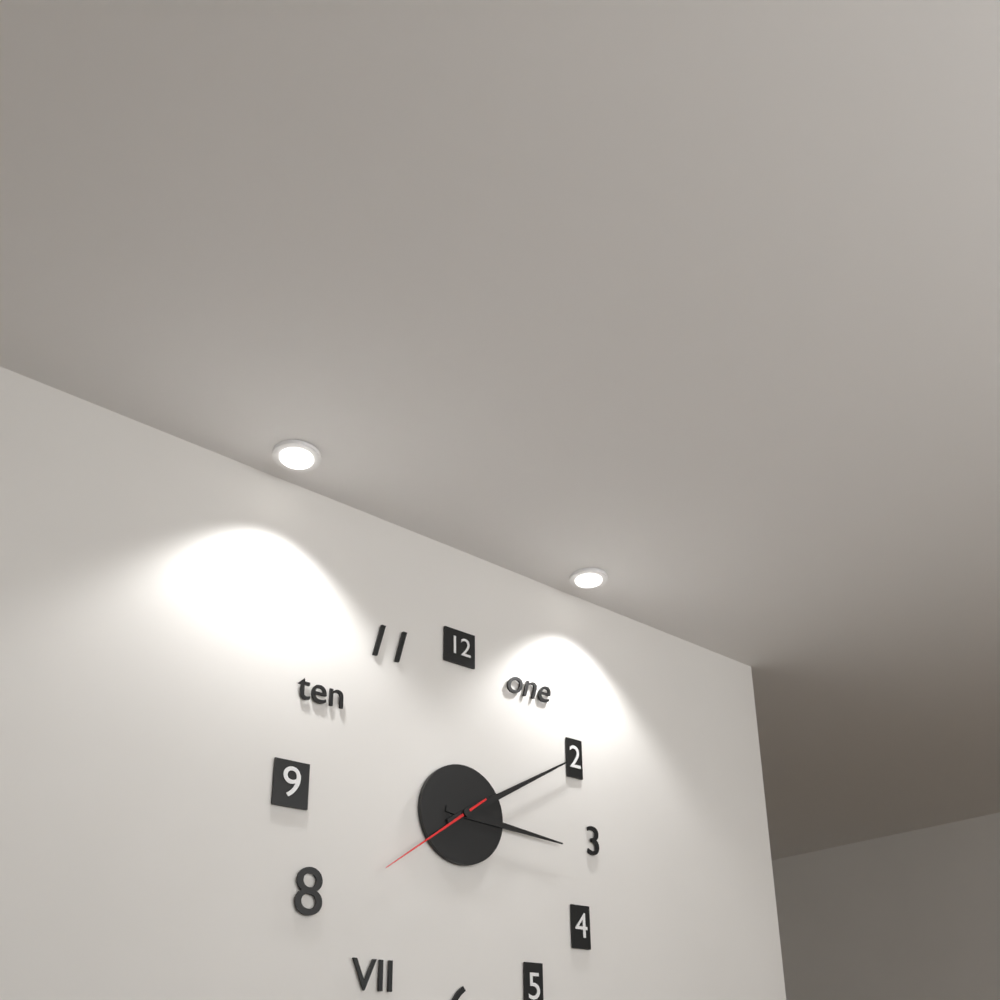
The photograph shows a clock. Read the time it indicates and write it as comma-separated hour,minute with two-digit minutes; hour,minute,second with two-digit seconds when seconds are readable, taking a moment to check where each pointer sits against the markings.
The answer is 3,10,39
